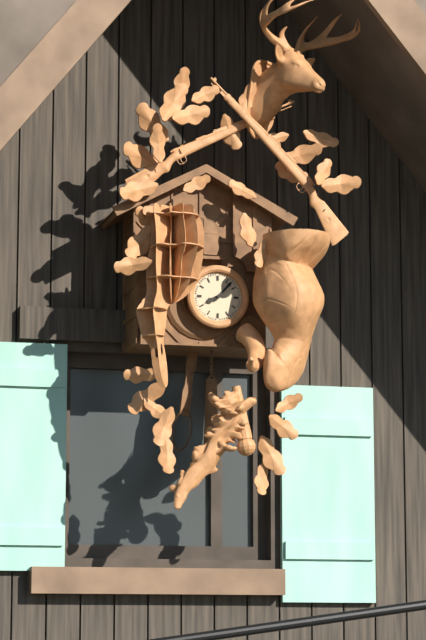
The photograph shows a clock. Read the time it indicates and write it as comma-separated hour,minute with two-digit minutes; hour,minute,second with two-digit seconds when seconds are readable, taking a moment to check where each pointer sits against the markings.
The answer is 8,07
